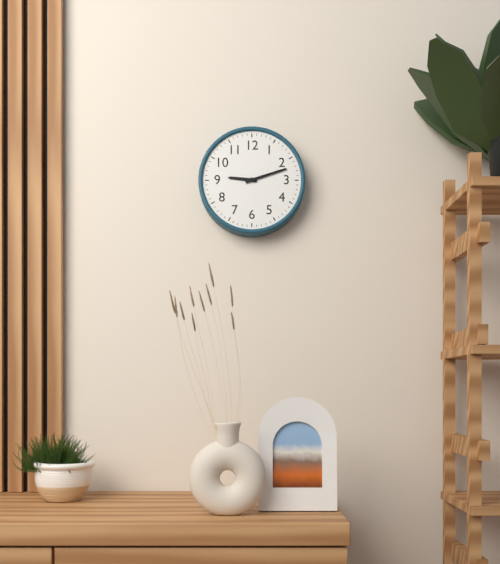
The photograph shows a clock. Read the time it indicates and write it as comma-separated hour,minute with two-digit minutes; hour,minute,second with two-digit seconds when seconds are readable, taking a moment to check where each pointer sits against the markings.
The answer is 9,12
